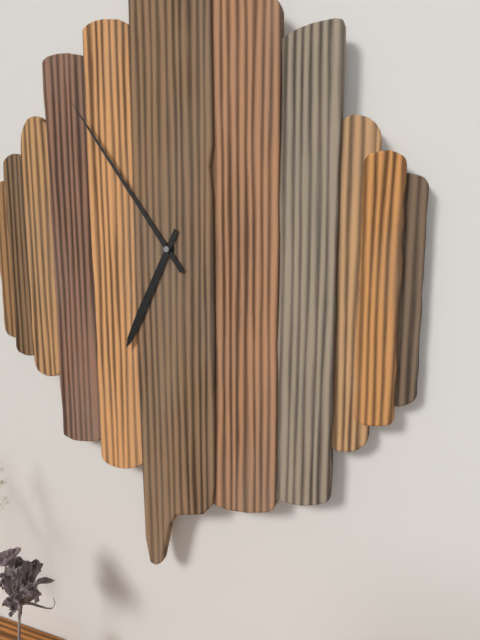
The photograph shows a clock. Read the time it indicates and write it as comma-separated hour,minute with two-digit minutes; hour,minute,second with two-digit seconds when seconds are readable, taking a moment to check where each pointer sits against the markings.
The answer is 6,54
